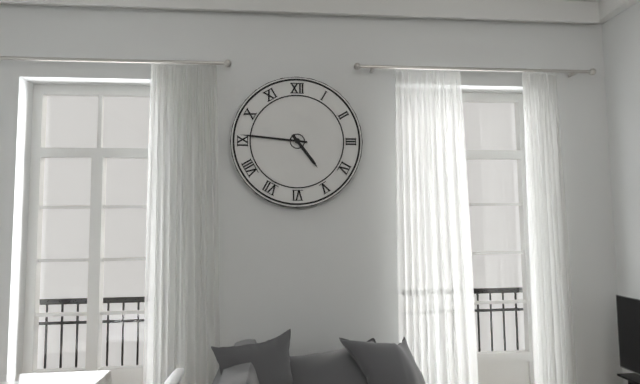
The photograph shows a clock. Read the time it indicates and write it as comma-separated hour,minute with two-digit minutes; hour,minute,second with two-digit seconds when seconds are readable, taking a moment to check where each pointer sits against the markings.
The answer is 4,46
